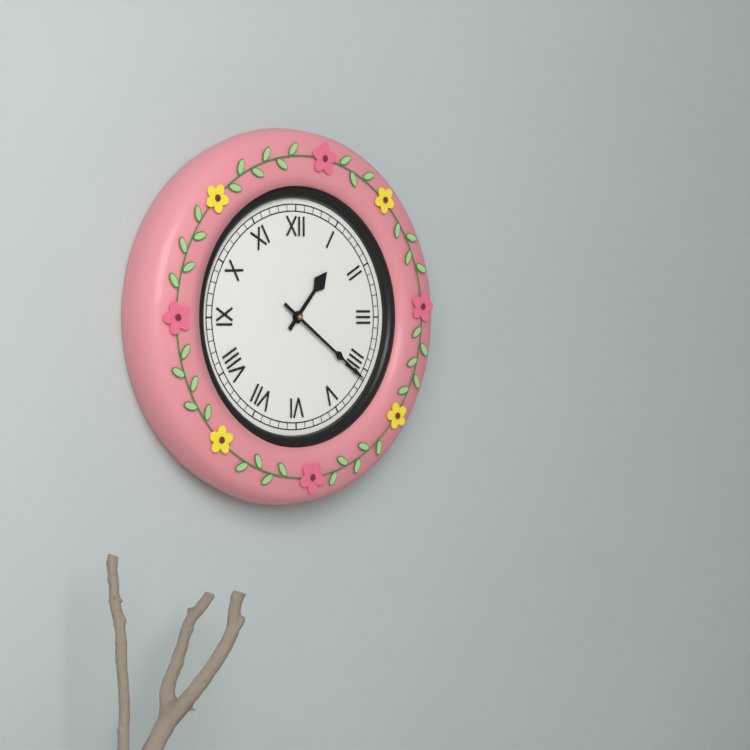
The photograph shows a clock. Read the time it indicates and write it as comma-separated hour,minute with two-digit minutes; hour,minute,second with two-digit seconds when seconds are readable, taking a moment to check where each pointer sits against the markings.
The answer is 1,21
